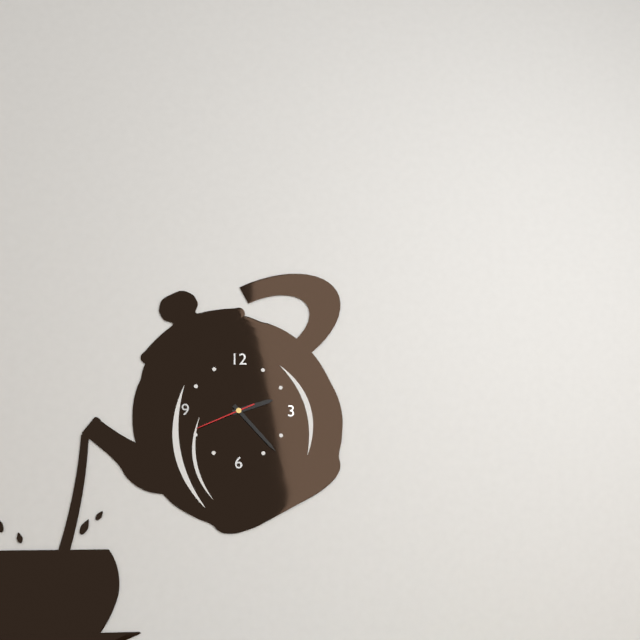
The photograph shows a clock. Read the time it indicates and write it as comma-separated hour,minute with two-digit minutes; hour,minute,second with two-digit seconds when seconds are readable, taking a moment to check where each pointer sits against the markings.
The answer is 2,23,41
